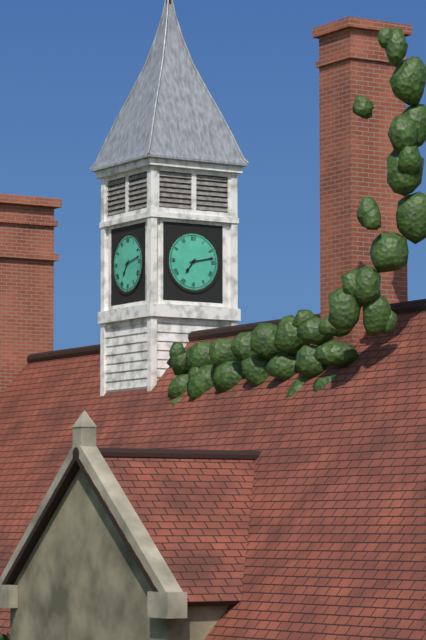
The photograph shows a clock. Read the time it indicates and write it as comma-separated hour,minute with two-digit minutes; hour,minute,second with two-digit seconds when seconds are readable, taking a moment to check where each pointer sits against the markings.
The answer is 7,13
